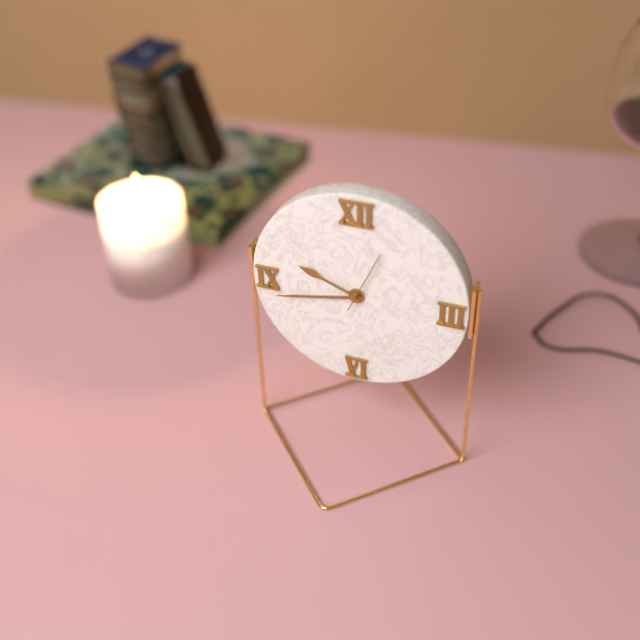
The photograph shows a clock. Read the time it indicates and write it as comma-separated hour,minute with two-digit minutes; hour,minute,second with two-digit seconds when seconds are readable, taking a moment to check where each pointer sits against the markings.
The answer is 9,43,04
